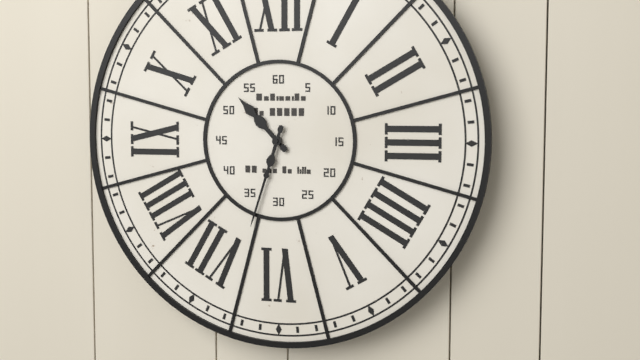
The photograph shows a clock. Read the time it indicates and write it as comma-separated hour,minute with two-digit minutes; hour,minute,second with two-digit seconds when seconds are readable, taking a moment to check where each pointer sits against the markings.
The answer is 10,33
